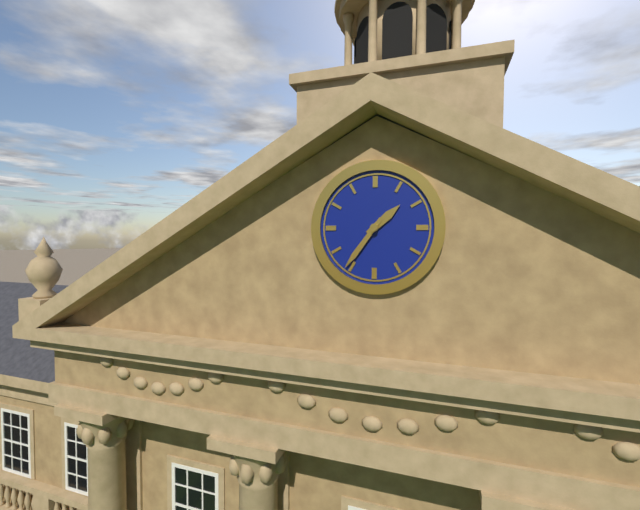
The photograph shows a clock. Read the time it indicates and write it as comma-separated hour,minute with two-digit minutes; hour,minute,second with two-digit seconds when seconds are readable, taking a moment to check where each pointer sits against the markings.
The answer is 1,36
